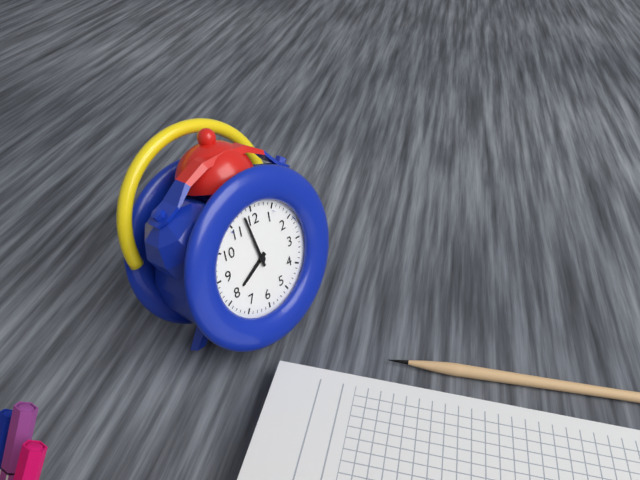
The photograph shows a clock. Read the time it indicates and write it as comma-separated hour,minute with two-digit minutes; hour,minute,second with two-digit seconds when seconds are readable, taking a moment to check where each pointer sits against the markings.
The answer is 7,58
